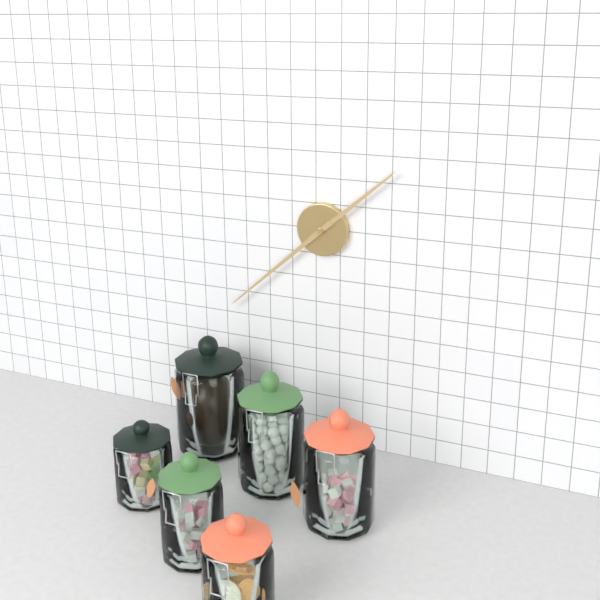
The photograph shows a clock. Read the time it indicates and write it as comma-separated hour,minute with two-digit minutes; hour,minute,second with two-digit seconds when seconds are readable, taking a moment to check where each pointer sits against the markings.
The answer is 1,38
